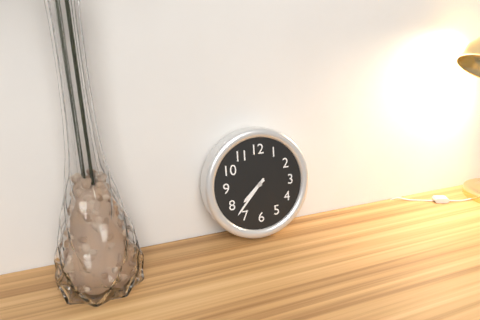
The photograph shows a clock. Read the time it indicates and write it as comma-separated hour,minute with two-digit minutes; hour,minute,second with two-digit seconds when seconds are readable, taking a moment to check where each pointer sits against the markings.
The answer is 7,37
